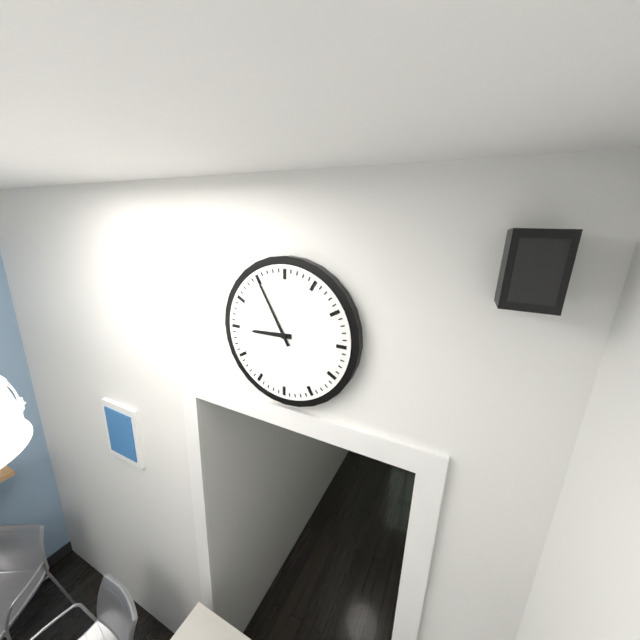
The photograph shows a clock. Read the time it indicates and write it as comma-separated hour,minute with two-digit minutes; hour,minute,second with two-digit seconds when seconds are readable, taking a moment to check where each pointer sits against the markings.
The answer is 8,55
